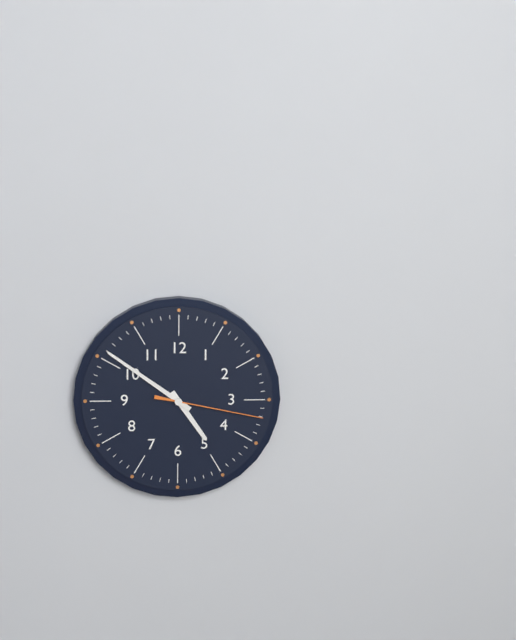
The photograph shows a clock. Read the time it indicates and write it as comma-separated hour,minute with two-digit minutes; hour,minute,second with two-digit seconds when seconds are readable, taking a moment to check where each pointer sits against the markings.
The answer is 4,51,17
